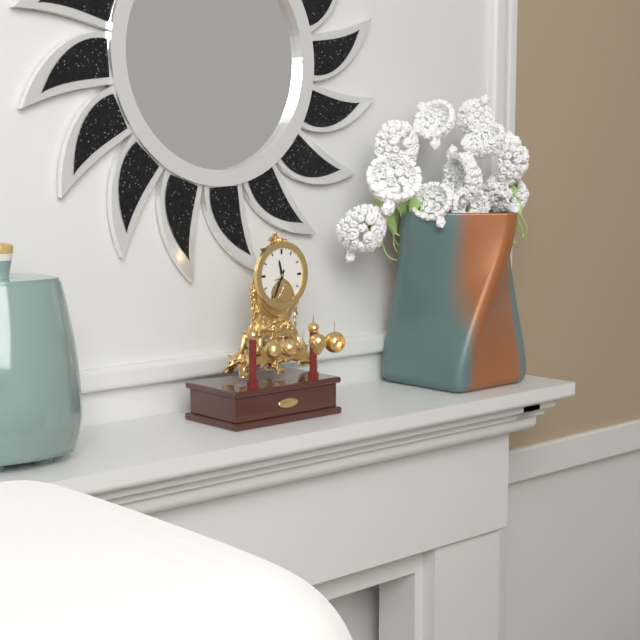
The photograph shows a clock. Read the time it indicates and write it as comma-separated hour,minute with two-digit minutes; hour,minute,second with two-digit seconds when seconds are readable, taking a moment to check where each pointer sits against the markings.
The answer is 11,34
